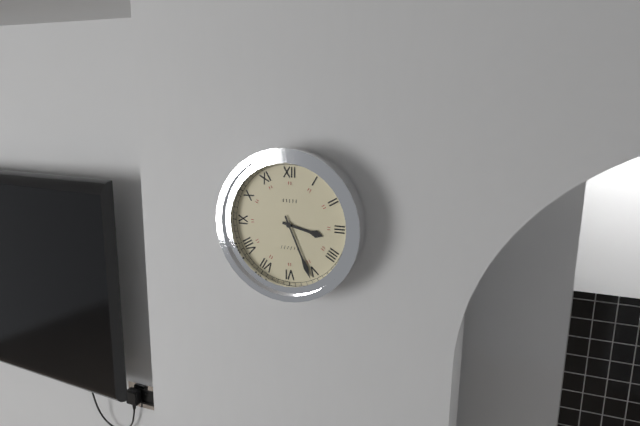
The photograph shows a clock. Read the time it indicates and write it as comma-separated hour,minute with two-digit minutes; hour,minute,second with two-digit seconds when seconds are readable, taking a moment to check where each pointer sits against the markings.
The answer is 3,26
